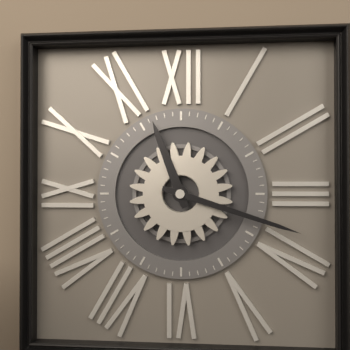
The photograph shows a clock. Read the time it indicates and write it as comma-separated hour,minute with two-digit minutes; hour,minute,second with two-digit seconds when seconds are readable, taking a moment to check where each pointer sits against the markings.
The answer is 11,18
